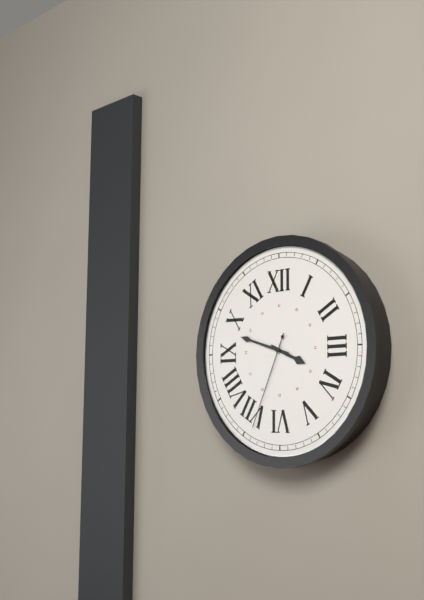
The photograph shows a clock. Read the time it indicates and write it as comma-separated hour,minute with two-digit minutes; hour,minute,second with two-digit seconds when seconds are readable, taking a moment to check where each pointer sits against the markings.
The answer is 3,48,34
